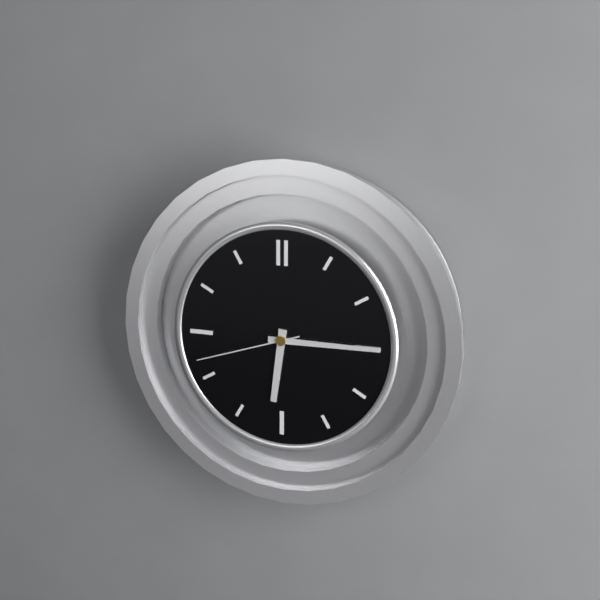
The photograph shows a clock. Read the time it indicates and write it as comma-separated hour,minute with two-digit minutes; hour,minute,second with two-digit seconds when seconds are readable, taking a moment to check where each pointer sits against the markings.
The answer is 6,15,42
